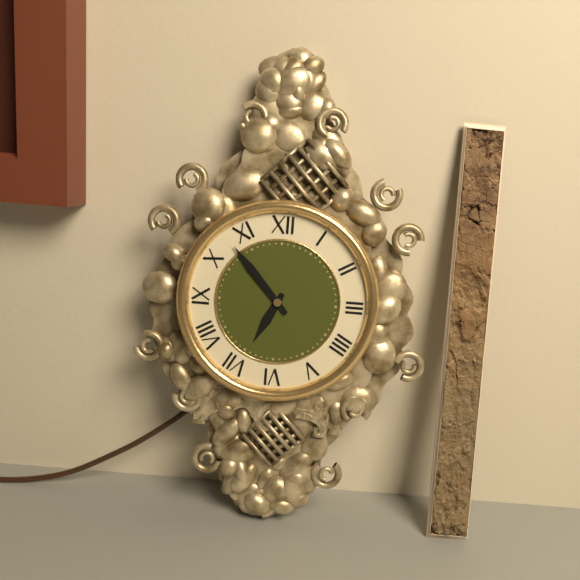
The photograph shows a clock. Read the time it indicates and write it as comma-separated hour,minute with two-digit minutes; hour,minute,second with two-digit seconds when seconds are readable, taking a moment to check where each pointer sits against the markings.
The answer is 6,53
